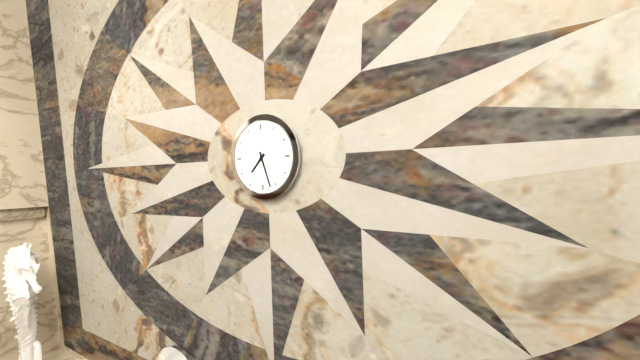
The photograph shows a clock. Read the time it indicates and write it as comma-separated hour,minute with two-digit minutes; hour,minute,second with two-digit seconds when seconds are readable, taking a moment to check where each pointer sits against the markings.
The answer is 7,27
